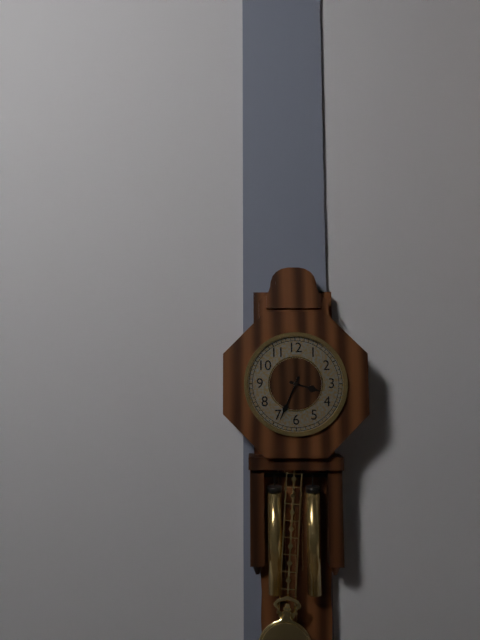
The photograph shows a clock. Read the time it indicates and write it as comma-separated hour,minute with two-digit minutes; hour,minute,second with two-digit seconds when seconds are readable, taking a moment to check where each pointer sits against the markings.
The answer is 3,34
